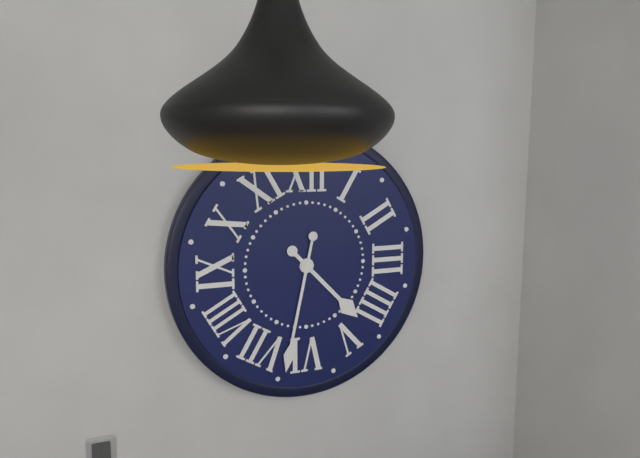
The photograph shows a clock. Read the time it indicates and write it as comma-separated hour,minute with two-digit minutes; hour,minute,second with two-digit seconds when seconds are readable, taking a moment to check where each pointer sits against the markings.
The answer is 4,32
